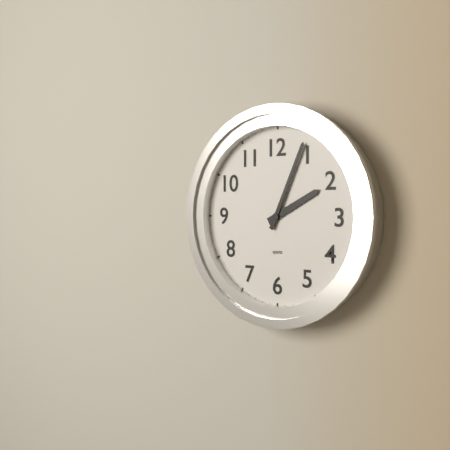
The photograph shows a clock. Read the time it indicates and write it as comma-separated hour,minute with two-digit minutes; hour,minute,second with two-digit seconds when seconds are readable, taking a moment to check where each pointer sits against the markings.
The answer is 2,04
